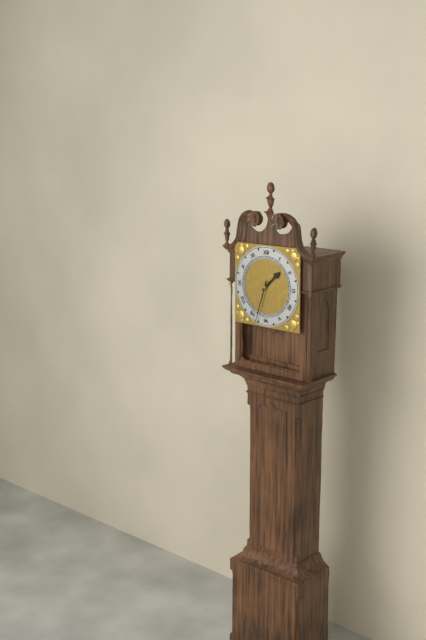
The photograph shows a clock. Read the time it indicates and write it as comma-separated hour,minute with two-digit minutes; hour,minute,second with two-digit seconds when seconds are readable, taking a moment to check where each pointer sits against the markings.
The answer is 1,33
